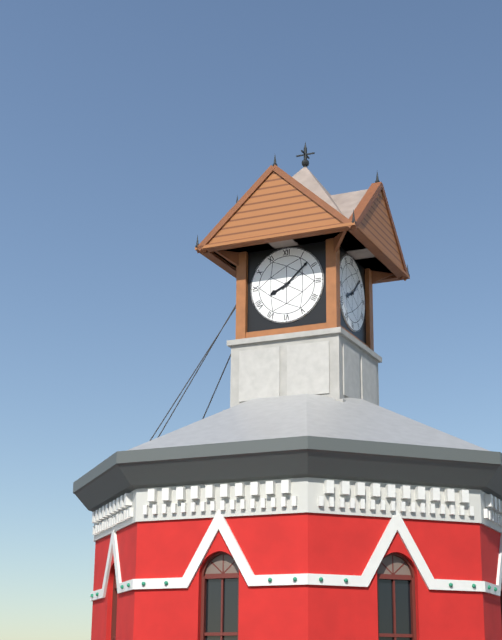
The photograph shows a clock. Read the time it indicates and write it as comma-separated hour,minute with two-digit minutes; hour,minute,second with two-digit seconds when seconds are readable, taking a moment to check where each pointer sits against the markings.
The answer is 8,08
